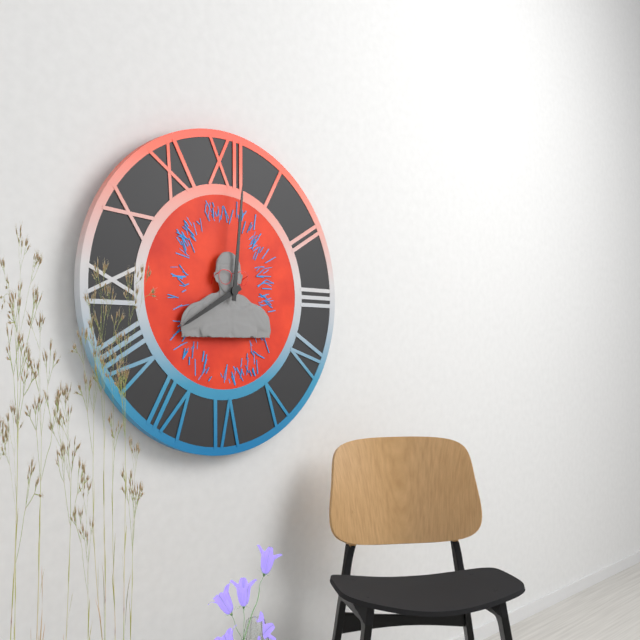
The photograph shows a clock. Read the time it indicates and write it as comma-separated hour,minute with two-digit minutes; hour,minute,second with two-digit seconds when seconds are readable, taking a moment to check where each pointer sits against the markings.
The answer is 8,01
